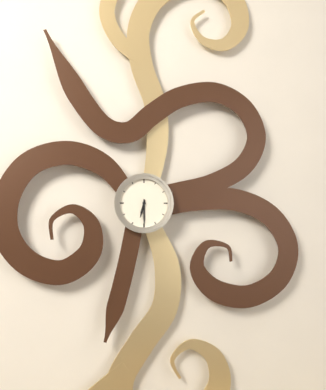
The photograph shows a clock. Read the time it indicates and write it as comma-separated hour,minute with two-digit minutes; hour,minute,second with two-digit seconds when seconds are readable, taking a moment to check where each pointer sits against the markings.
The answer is 6,30
